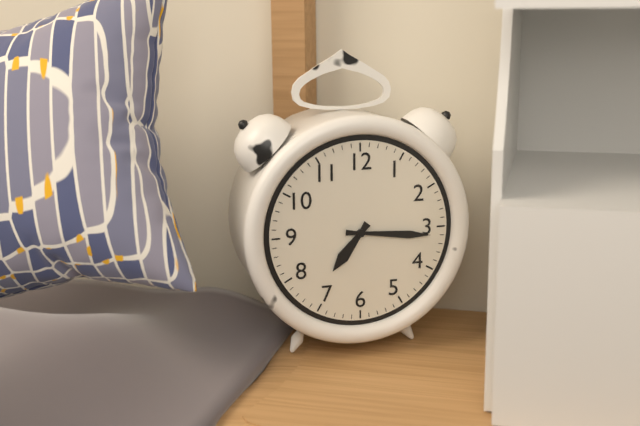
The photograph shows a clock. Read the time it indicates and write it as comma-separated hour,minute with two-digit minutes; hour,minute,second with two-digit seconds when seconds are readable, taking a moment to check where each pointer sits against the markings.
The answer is 7,16
